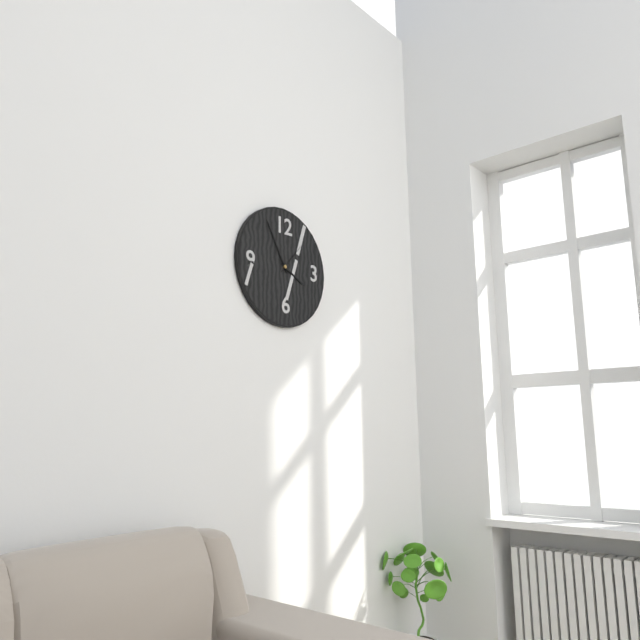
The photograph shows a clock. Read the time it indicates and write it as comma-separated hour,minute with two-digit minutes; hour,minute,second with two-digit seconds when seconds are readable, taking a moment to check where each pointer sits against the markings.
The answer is 3,55
